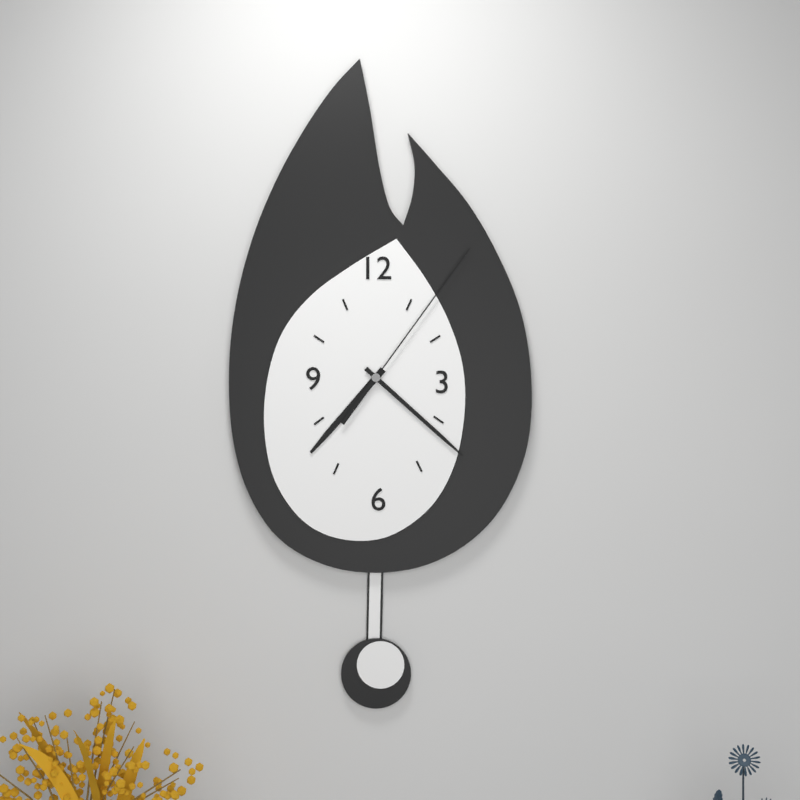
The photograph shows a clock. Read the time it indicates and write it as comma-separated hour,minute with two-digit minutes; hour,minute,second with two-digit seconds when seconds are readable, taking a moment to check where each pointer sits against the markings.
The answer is 7,22,06
